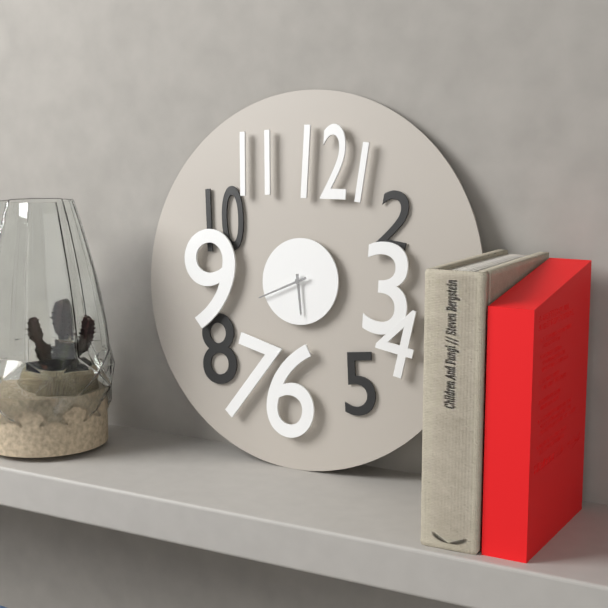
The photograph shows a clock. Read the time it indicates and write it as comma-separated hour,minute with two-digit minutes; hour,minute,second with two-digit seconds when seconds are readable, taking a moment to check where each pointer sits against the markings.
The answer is 5,41
